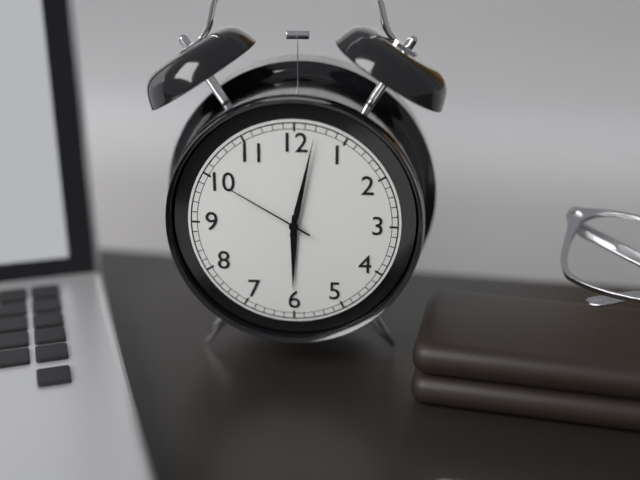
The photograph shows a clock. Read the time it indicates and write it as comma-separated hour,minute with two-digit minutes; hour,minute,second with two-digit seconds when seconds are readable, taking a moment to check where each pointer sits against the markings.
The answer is 6,02,50
